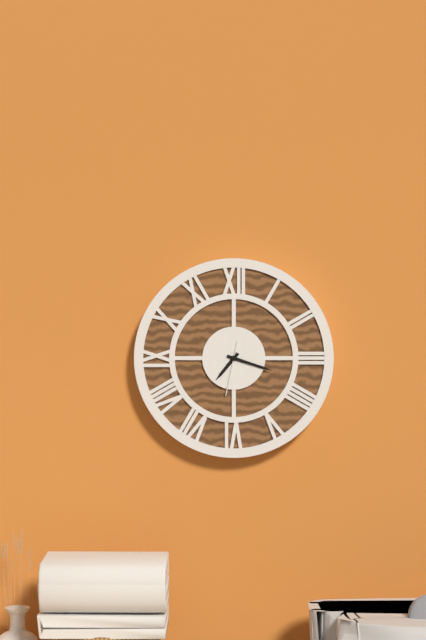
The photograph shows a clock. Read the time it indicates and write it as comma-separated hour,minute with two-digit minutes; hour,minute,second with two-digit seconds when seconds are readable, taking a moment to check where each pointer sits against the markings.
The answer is 7,18
